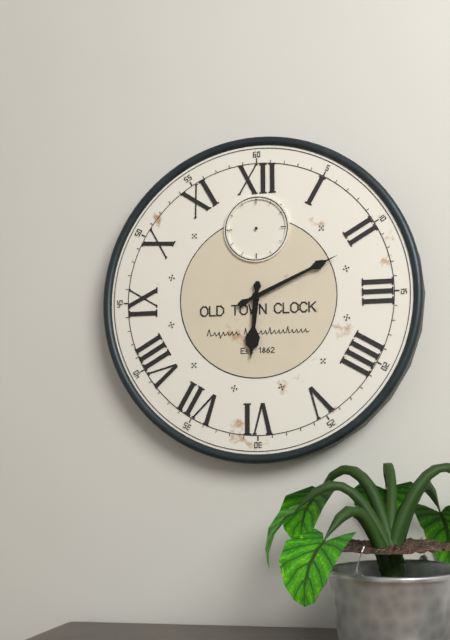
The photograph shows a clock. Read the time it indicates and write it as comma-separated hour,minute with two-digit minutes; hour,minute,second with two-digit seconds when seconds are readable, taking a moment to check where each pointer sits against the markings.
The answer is 6,11
